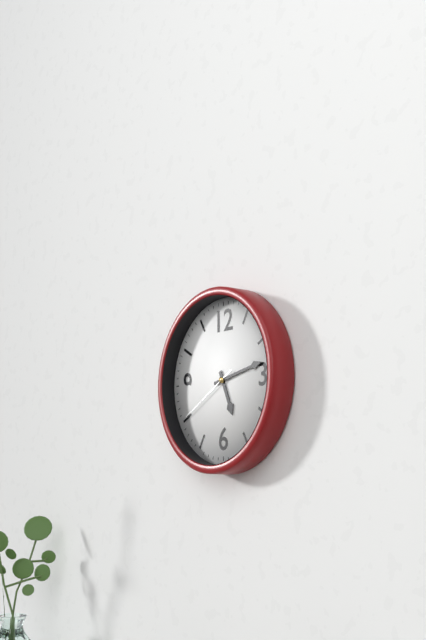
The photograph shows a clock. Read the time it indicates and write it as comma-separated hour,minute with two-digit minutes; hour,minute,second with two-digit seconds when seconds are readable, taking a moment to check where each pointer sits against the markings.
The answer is 5,13,40
